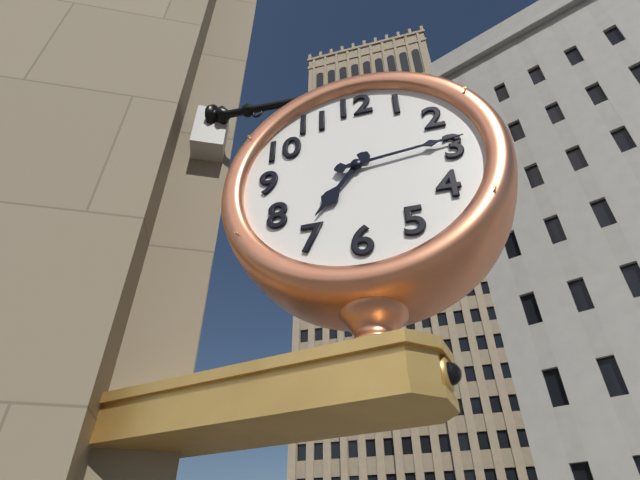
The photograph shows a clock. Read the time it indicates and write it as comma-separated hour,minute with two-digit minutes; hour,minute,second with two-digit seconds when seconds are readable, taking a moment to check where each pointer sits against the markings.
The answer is 7,14
